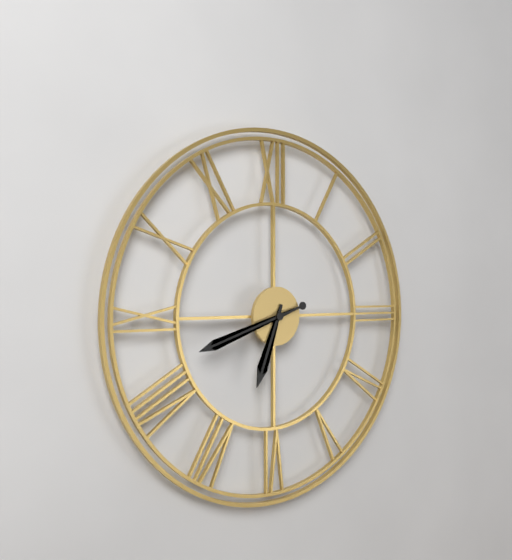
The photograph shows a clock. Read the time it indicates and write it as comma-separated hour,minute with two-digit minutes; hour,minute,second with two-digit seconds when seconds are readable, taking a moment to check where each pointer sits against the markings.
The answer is 6,42
